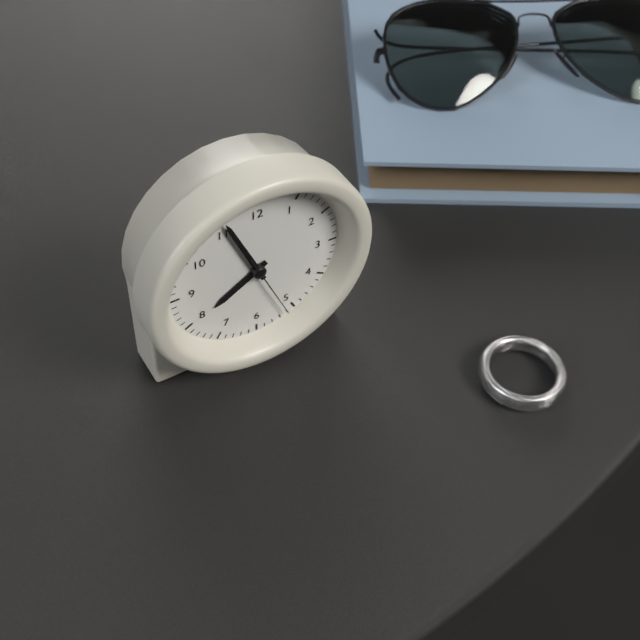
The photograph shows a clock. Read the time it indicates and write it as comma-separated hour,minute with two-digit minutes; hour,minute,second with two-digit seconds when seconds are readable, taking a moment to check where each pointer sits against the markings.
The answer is 7,56,26
